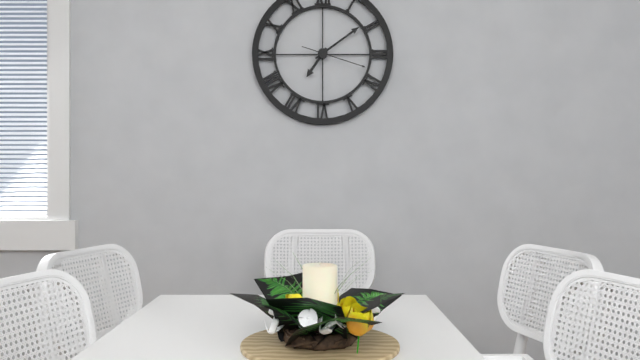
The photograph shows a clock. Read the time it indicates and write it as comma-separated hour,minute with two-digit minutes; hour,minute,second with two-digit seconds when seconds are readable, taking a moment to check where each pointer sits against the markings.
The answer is 7,09,18
